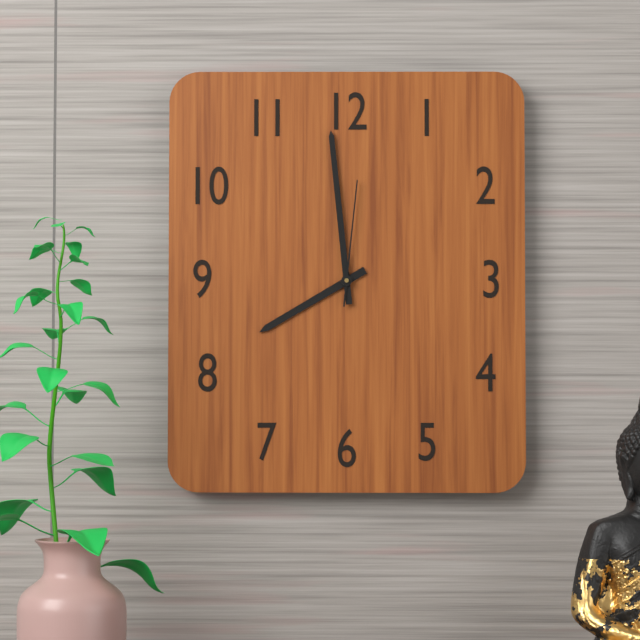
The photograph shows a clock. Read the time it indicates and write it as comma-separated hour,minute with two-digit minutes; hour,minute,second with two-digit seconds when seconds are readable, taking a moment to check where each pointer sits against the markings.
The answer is 7,59,01
